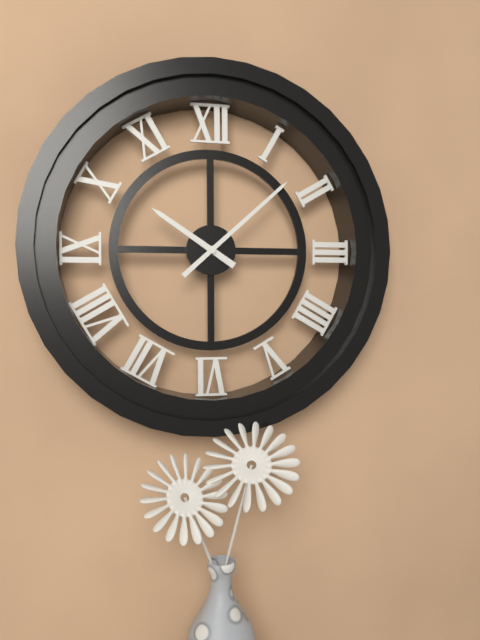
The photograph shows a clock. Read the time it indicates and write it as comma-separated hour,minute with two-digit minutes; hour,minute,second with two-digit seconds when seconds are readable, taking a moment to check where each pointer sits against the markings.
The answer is 10,08
